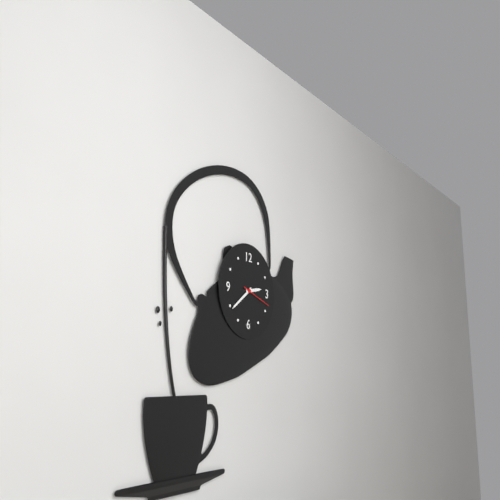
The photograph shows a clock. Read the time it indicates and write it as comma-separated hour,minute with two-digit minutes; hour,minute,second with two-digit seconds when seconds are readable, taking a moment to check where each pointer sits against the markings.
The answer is 2,39
